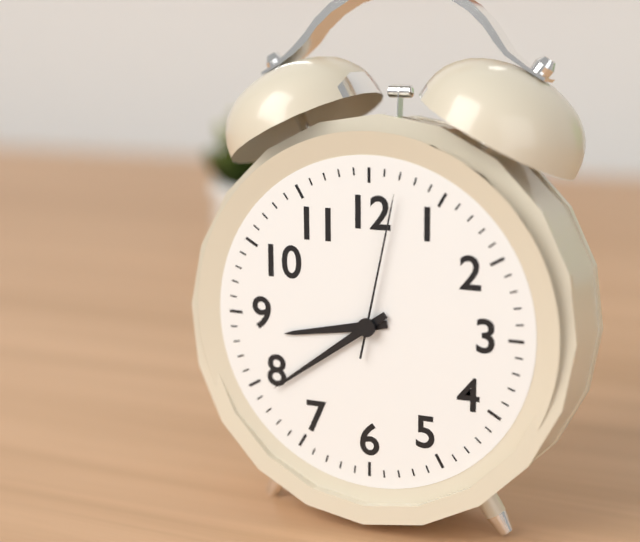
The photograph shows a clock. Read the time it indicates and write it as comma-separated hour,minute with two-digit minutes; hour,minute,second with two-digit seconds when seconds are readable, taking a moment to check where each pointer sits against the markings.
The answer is 8,39,02
